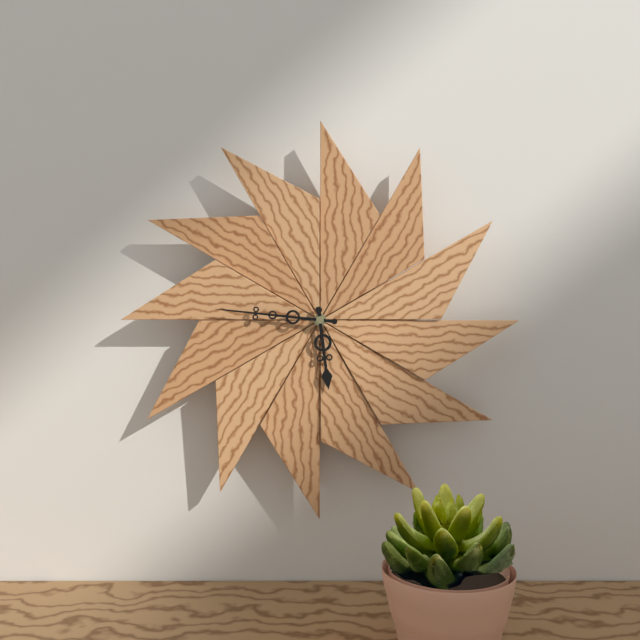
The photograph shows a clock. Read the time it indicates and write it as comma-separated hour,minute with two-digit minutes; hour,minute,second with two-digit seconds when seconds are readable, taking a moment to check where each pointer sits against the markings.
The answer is 5,46
